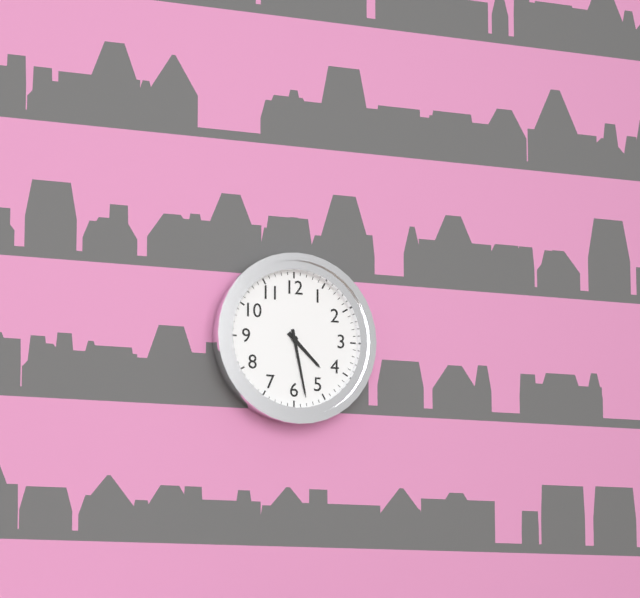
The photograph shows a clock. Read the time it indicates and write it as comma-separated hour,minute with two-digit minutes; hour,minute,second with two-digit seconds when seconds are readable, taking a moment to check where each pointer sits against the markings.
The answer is 4,28
